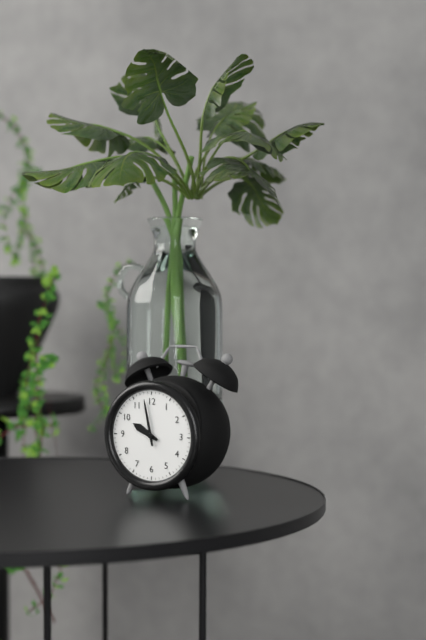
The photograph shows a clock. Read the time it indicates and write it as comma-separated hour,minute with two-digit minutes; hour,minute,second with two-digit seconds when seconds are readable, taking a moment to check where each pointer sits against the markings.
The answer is 9,58
